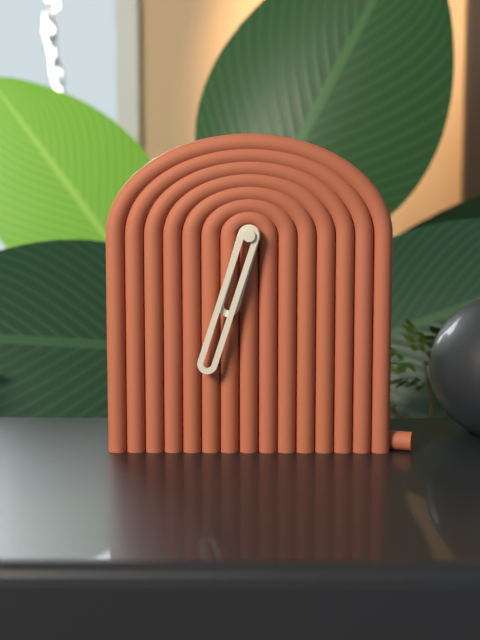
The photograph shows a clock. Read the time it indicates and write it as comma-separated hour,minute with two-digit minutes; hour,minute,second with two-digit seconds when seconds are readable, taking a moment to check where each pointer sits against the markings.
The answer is 6,33
